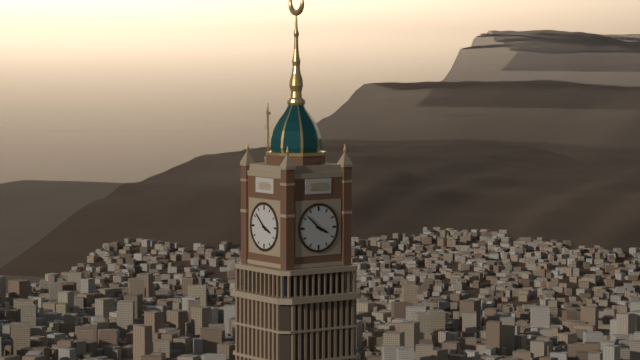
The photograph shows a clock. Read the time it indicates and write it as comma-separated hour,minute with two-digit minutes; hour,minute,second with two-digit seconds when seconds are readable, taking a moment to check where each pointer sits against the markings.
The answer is 3,52
